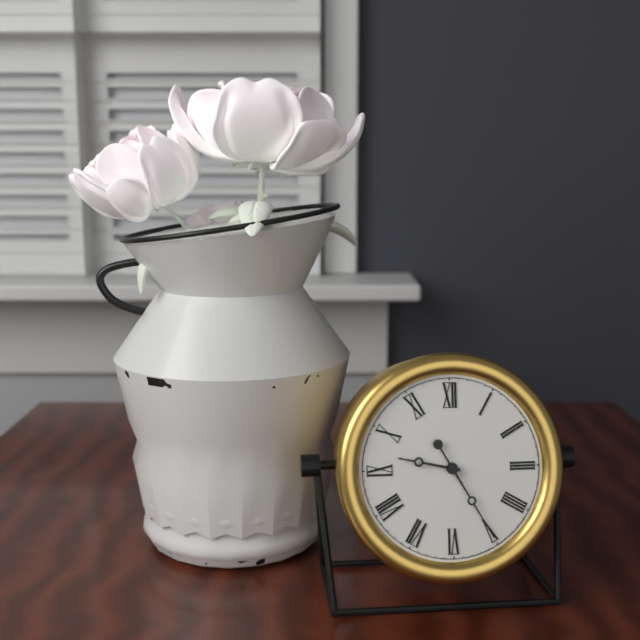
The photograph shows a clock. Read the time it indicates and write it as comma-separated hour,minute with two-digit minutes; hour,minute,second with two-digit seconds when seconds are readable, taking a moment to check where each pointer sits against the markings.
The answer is 9,25
